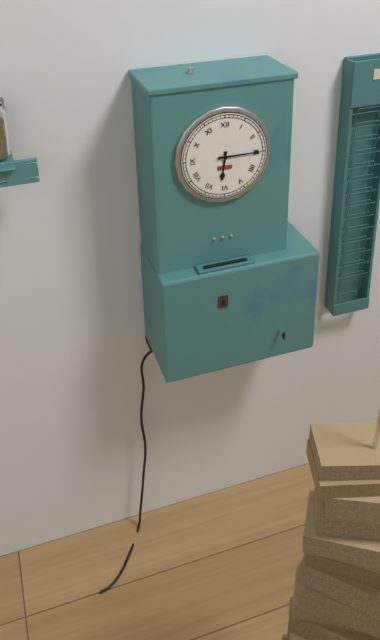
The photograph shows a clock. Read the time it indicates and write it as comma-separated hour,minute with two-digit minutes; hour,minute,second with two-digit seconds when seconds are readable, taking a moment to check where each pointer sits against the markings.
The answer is 6,15
